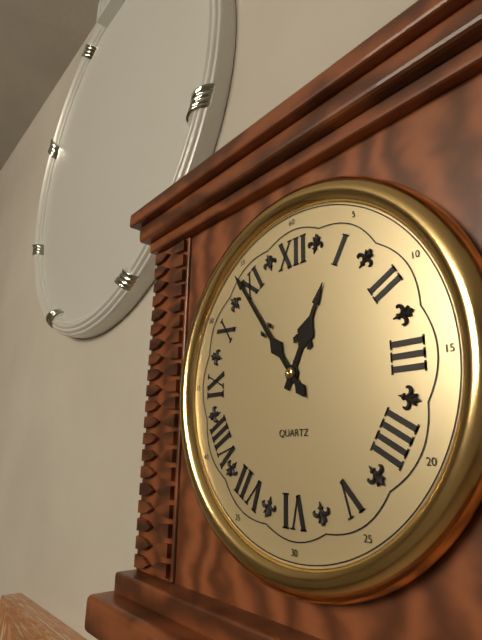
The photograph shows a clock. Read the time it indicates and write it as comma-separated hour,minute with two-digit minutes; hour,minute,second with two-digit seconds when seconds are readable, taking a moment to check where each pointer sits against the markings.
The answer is 12,54
